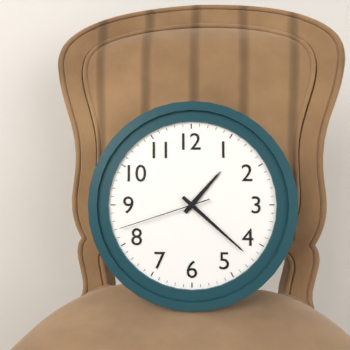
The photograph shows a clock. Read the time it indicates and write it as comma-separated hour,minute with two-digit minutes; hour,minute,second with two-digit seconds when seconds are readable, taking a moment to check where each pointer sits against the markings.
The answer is 1,22,42
